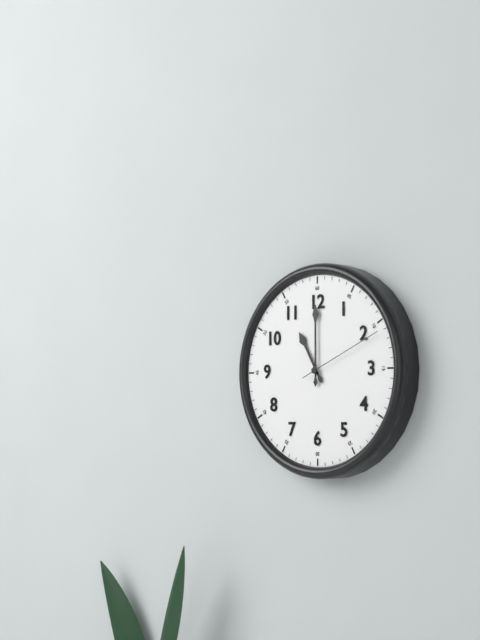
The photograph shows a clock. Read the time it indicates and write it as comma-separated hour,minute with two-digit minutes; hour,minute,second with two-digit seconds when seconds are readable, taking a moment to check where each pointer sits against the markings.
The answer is 11,00,11
